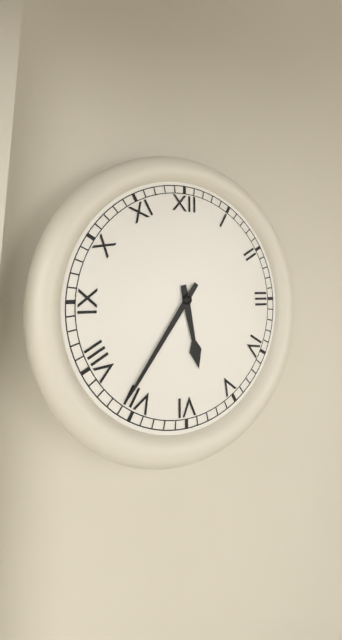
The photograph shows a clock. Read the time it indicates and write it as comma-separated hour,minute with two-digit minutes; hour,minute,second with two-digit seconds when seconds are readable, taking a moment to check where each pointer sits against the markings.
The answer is 5,36
